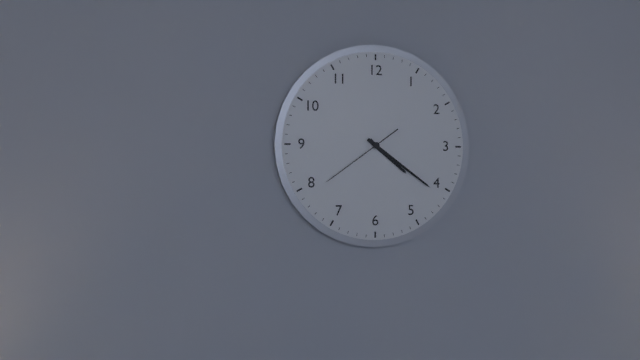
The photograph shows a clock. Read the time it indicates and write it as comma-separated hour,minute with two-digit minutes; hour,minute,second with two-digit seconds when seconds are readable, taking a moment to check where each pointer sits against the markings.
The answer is 4,21,39
